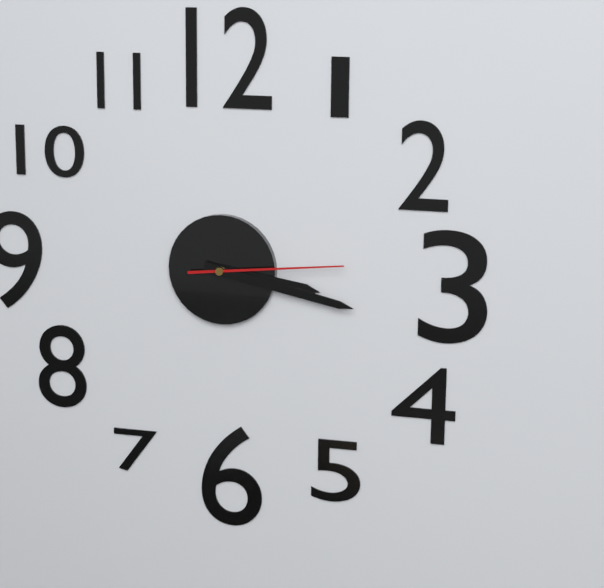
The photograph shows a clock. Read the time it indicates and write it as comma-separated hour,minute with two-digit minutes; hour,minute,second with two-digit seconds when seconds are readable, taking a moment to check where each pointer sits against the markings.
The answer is 3,17,14
